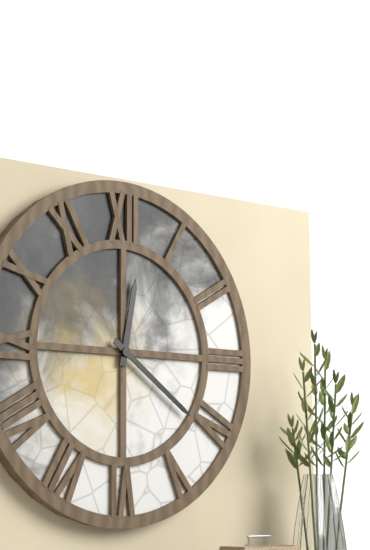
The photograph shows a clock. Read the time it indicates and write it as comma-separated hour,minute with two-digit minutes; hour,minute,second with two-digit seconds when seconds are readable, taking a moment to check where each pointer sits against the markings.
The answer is 12,21
